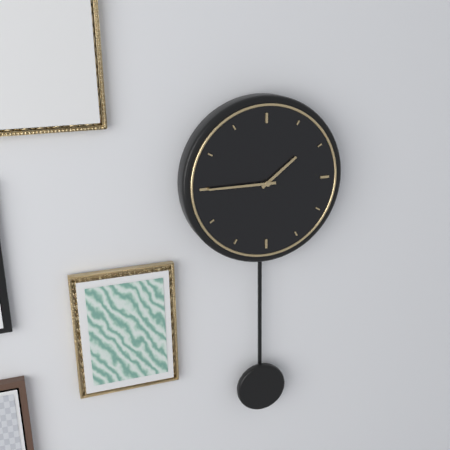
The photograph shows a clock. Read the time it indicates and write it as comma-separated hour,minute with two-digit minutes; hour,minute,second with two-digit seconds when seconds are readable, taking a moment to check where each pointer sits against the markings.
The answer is 1,45
